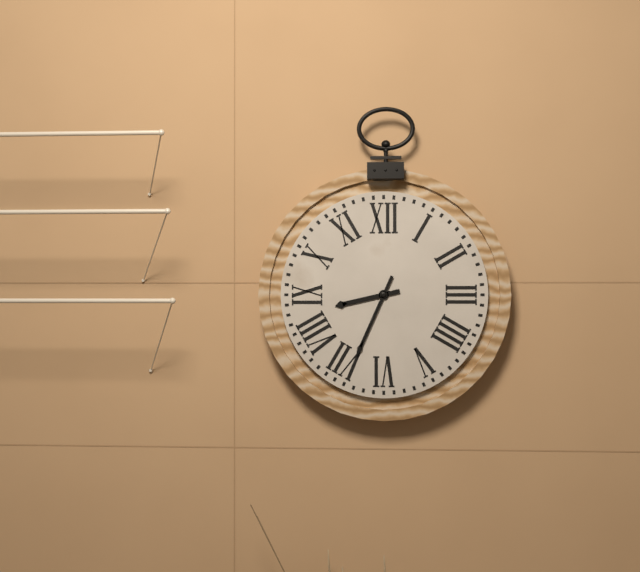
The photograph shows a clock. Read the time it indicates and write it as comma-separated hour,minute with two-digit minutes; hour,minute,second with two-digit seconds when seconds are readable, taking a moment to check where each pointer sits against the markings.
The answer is 8,34
